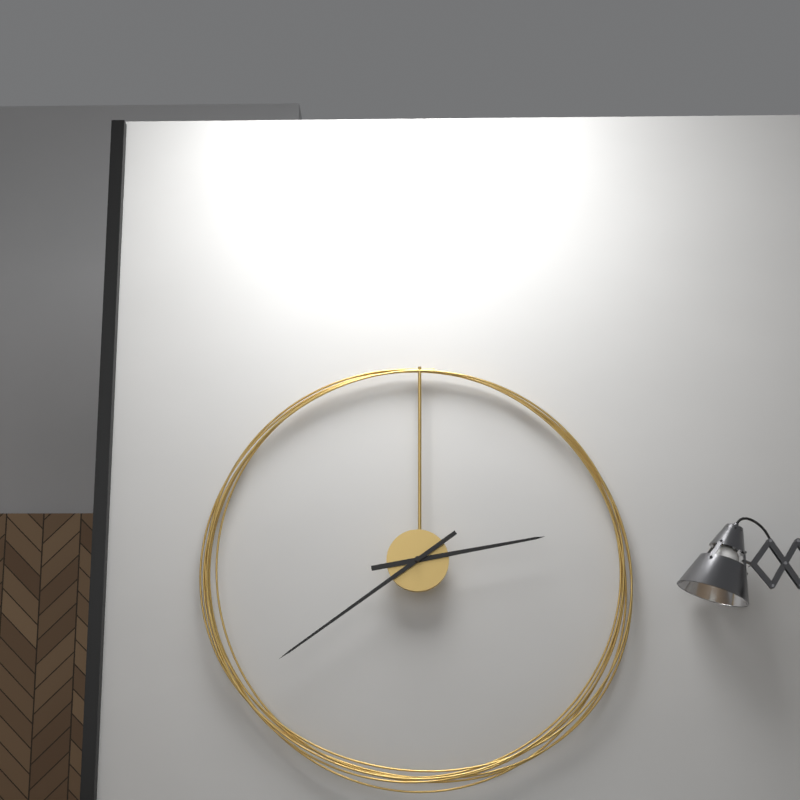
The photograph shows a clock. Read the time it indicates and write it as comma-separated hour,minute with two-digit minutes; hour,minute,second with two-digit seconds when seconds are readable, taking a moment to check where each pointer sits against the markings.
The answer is 2,39
